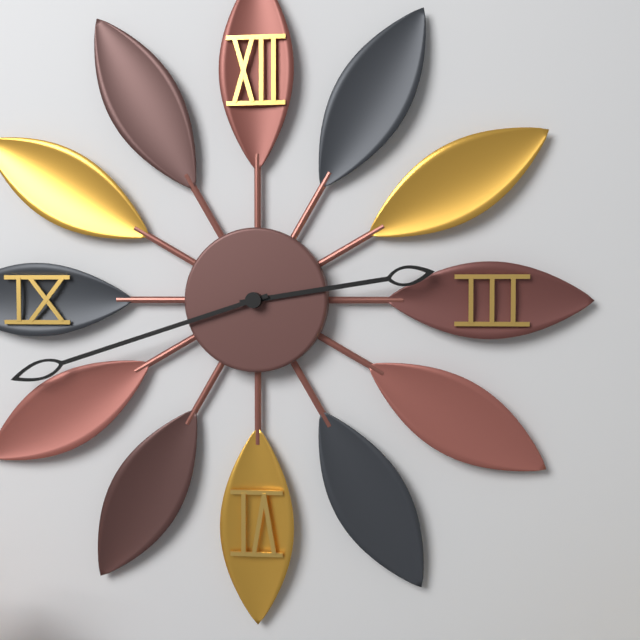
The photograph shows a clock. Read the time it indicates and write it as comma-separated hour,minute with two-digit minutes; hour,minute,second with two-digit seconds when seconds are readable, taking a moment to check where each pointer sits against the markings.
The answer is 2,42
